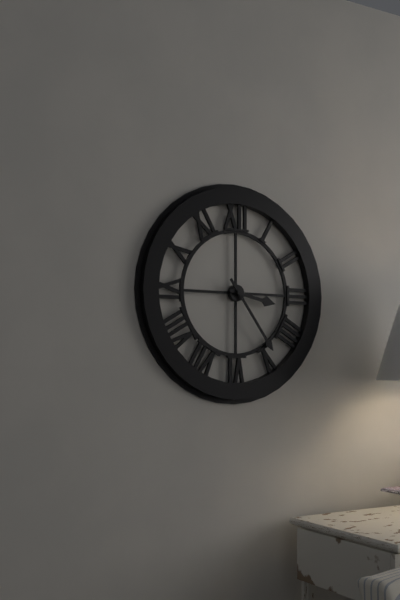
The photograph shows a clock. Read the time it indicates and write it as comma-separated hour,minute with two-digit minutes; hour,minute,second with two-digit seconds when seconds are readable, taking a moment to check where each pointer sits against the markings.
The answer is 3,24
